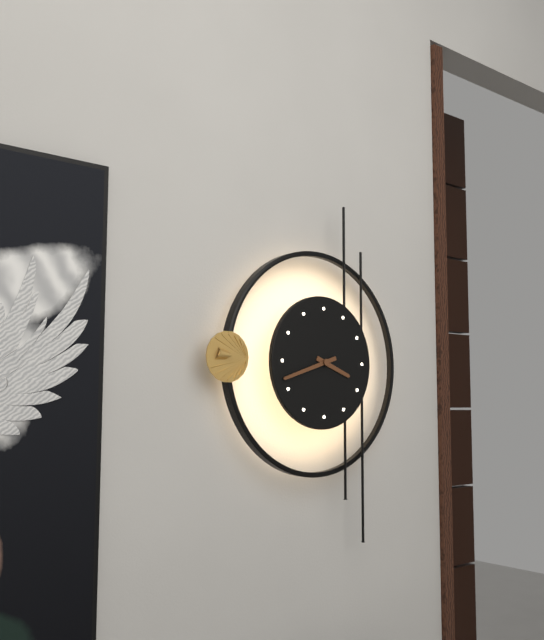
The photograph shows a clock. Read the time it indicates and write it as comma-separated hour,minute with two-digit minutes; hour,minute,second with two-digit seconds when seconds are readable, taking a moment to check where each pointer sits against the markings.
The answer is 3,42
